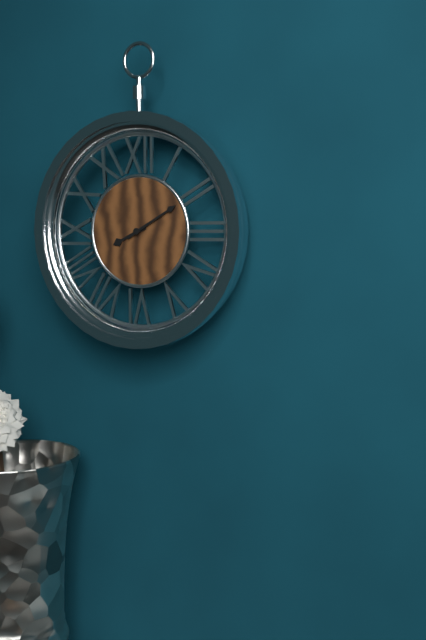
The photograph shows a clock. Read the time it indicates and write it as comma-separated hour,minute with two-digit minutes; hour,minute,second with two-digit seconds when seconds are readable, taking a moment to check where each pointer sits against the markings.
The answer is 8,10
